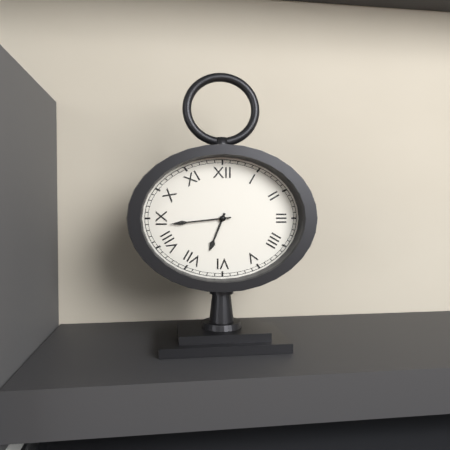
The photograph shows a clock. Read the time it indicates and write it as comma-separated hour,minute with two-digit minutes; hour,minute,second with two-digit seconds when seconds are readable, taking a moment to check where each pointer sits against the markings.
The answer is 6,44
